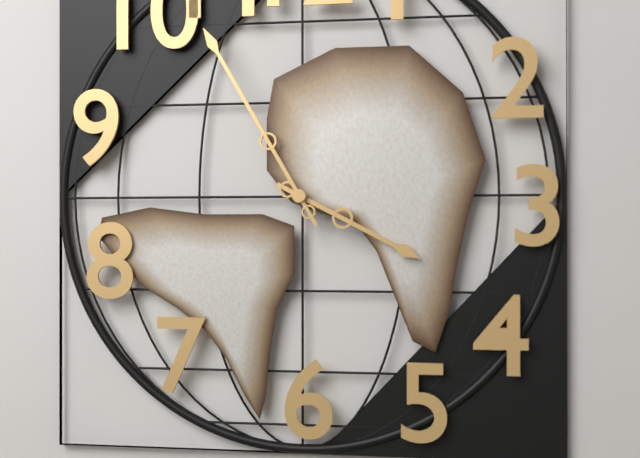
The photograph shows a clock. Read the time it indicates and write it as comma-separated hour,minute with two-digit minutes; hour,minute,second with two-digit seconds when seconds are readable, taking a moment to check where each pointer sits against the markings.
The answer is 3,55
